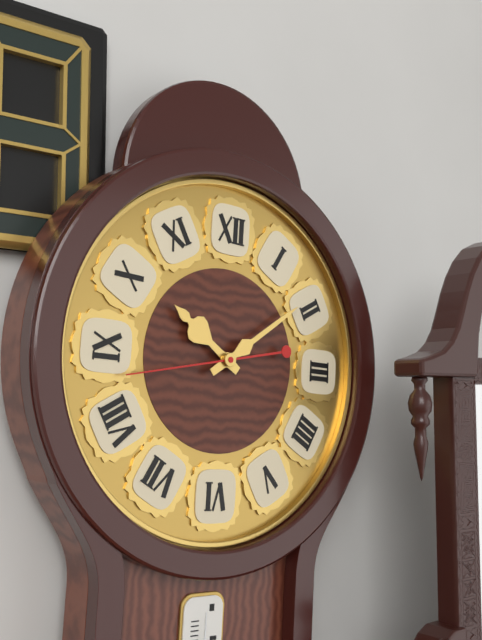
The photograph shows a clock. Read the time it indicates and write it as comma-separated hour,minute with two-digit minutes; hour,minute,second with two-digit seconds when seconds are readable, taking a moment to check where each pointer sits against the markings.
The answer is 10,09,43
